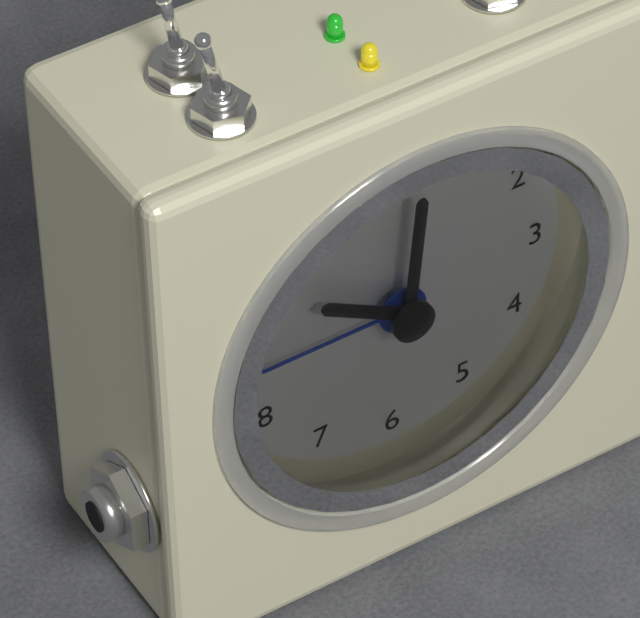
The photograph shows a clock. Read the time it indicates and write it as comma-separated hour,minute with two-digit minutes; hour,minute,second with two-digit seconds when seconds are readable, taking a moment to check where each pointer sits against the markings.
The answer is 10,01,45
